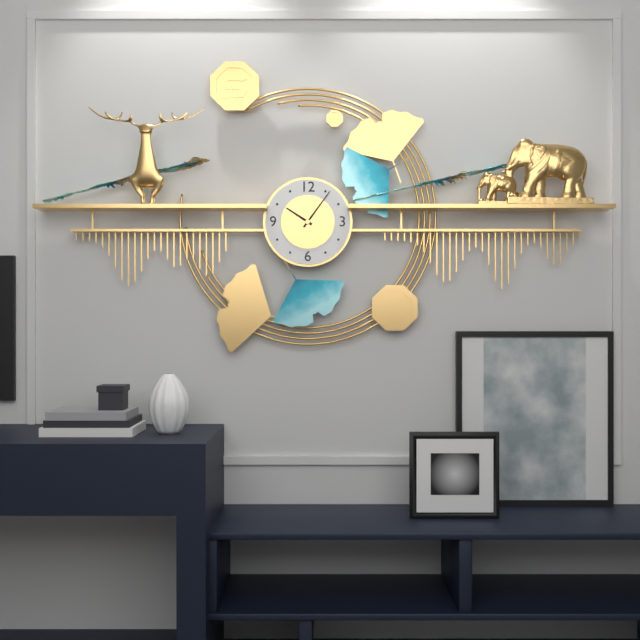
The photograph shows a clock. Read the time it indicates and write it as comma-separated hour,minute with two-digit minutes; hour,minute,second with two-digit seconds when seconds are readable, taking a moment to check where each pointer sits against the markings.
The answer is 10,06
